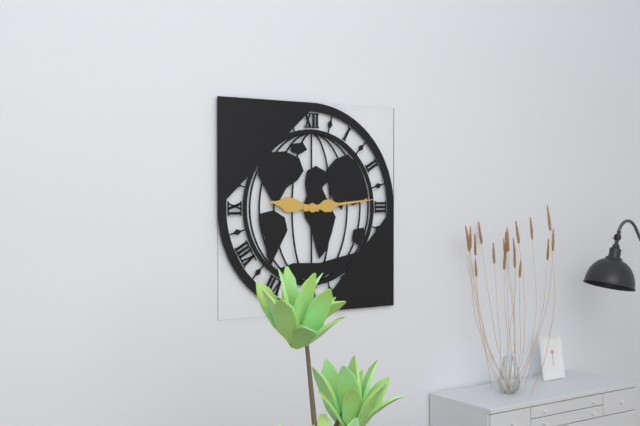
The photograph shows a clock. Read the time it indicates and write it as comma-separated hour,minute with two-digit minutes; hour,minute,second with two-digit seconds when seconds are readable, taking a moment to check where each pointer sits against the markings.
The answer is 9,14
